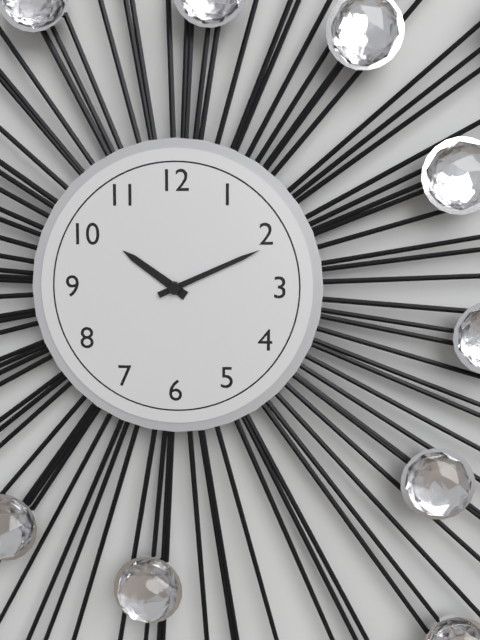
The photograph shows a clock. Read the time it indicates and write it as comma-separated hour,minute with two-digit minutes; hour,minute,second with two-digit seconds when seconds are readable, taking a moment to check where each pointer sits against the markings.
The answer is 10,11
